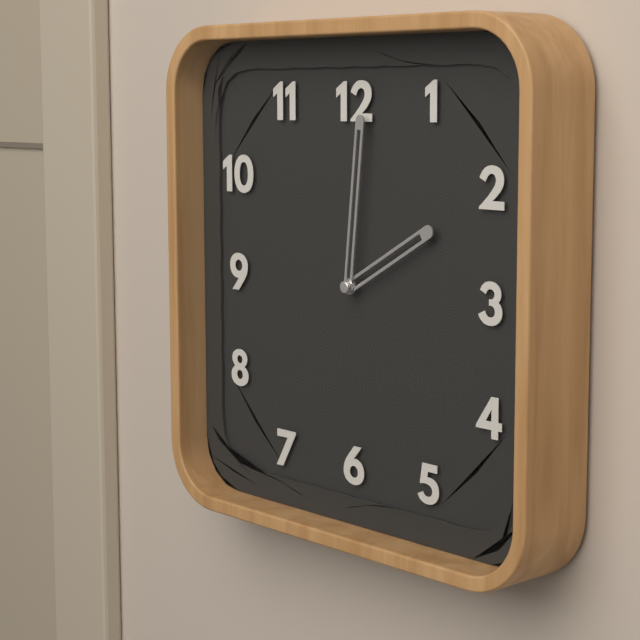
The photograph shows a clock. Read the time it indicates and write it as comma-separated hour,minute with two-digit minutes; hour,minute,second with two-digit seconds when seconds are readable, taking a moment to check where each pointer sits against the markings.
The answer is 2,01
